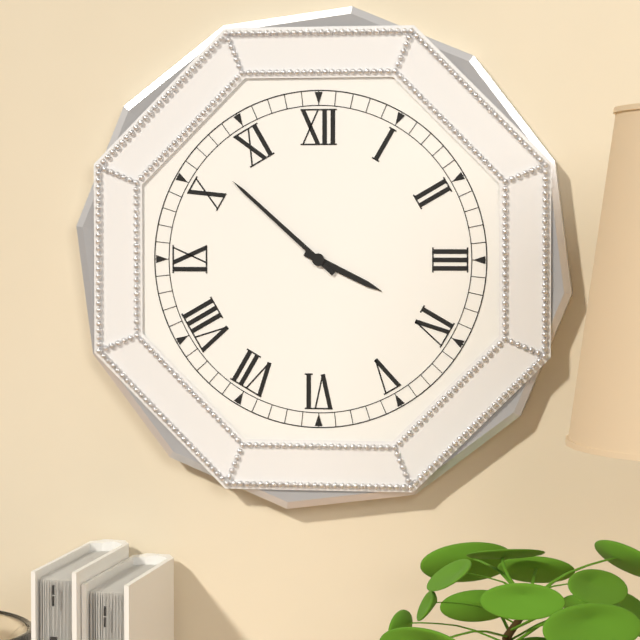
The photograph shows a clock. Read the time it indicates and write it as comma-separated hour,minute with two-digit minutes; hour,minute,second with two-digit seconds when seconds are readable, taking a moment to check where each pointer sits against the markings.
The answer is 3,52
